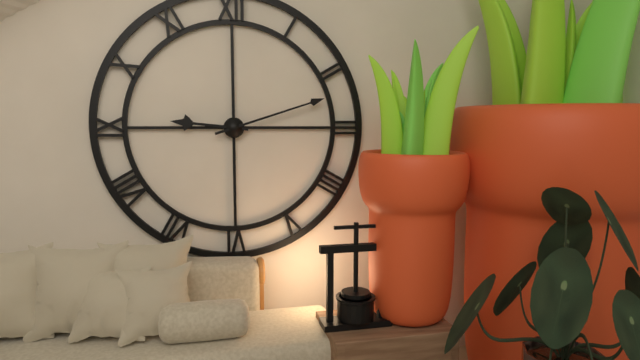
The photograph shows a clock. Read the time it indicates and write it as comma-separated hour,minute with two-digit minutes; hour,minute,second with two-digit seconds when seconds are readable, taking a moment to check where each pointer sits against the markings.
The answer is 9,12
